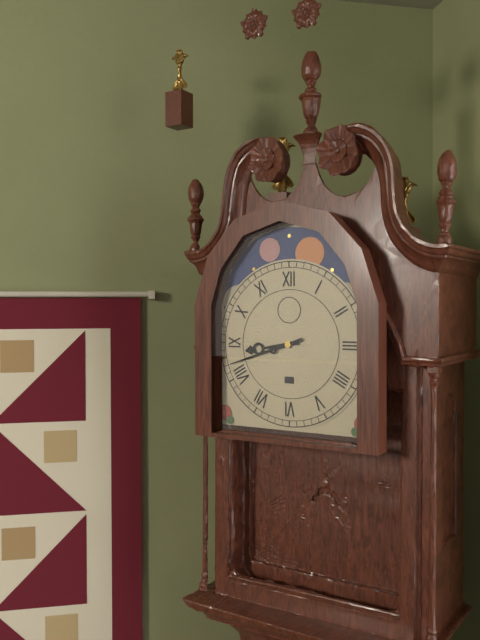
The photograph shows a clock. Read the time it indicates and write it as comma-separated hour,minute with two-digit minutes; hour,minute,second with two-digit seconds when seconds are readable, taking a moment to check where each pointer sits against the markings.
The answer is 8,42
